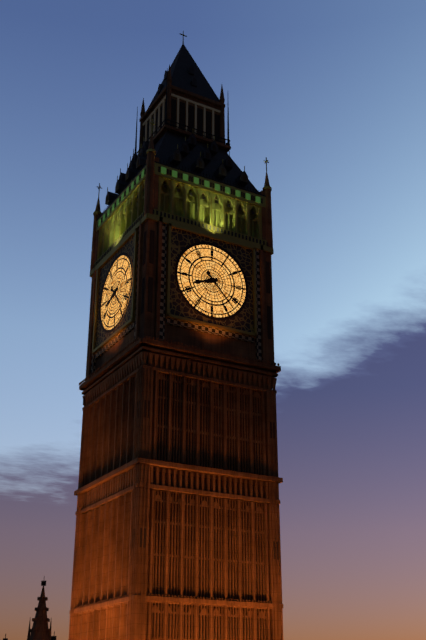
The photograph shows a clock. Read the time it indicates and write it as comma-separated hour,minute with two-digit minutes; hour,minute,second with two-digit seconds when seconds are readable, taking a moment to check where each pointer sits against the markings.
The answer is 8,23
